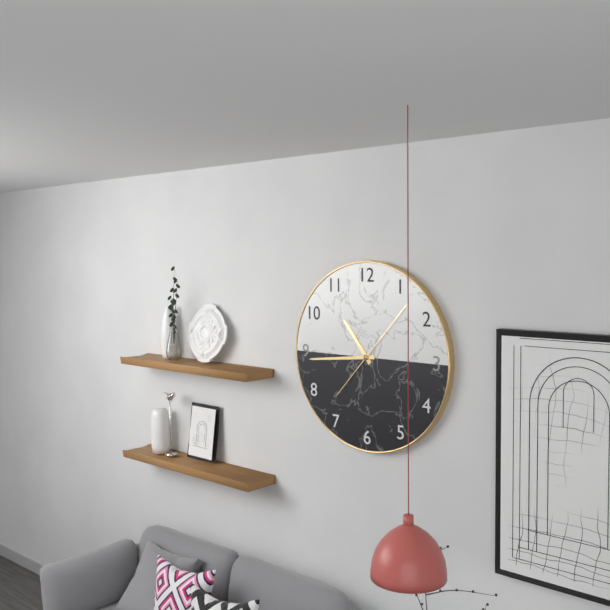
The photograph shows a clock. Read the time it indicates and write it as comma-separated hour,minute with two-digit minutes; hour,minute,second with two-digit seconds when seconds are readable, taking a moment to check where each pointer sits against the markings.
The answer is 10,44,07
